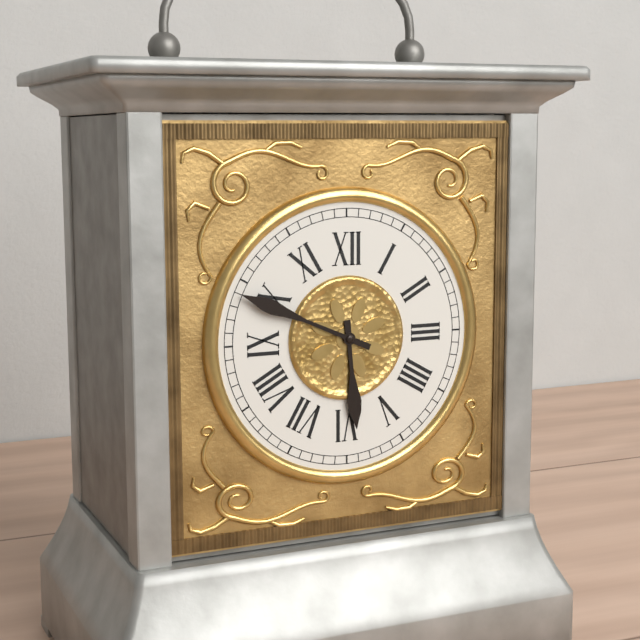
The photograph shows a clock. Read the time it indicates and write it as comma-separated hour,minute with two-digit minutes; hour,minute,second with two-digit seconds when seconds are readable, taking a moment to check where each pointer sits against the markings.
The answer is 5,49
